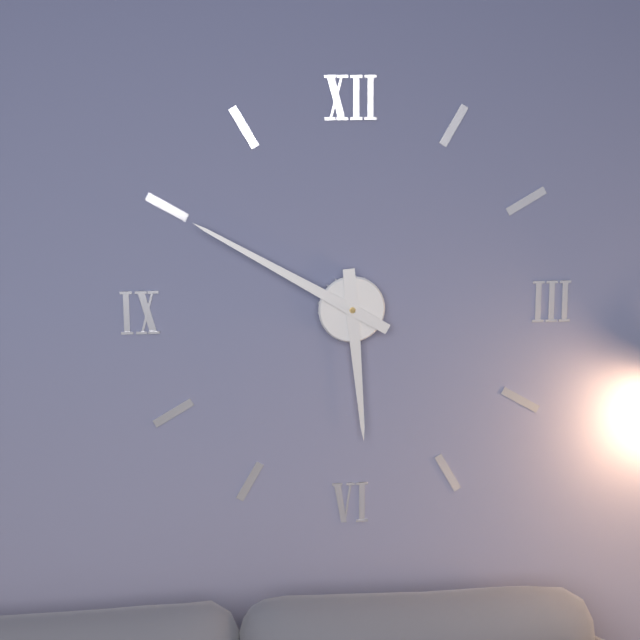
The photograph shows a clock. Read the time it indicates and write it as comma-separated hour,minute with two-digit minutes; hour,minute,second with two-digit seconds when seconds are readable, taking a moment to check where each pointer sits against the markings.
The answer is 5,50
